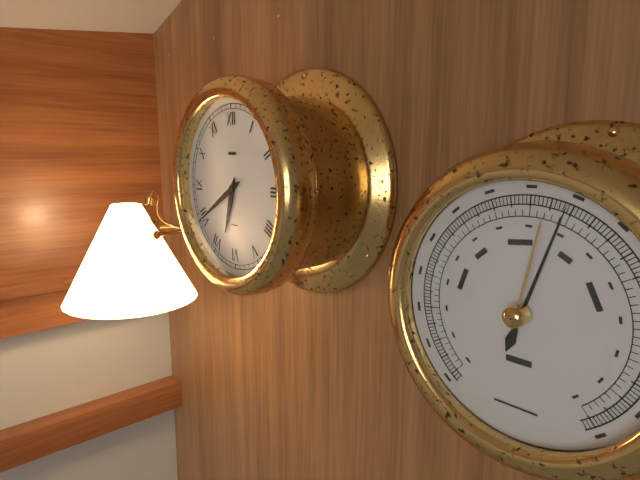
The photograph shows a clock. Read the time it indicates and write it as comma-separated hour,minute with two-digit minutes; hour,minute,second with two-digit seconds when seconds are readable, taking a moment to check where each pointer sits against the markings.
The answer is 6,40
